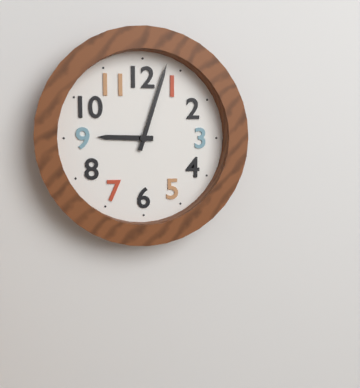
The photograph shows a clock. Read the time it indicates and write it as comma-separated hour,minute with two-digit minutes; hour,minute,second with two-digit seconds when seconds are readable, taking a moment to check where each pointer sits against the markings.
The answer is 9,03
